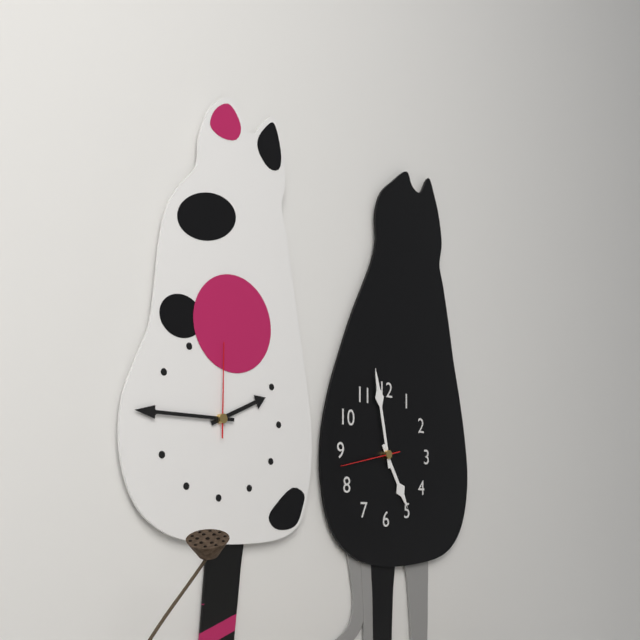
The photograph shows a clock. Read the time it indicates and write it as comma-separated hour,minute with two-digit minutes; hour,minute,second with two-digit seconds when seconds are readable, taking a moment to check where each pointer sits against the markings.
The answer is 4,58,43
